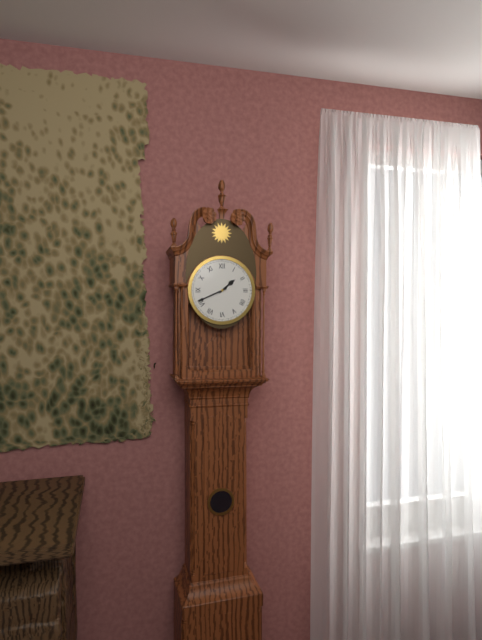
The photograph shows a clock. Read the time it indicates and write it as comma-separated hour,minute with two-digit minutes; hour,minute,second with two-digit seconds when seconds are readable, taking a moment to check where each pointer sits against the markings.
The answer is 1,41
